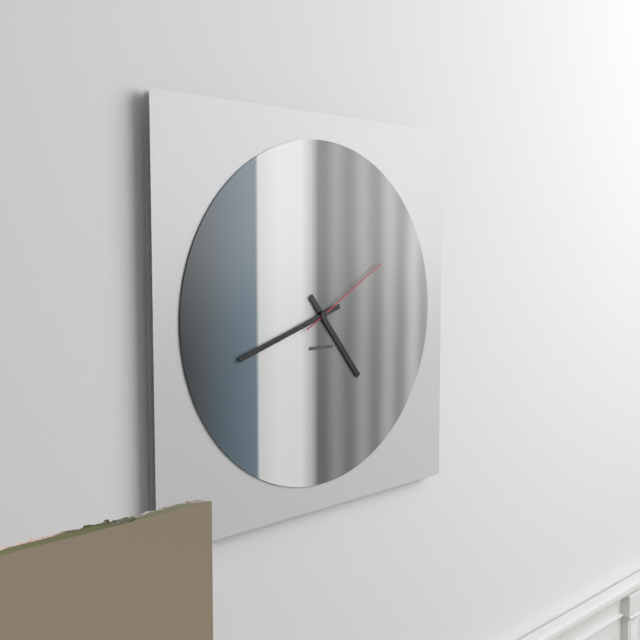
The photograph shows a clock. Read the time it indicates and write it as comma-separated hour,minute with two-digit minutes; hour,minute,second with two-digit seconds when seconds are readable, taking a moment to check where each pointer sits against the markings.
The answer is 4,42,10
